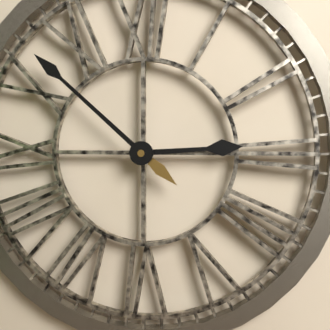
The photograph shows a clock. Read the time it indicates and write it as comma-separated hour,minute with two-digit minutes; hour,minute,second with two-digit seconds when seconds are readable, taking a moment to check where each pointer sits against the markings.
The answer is 2,52
